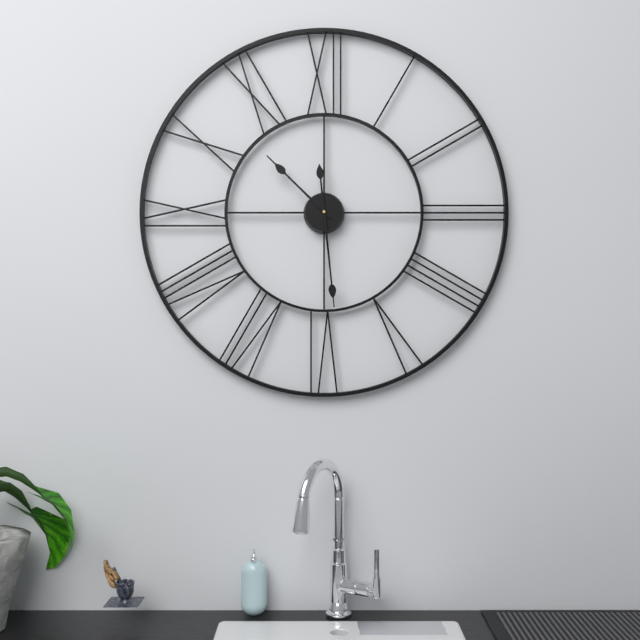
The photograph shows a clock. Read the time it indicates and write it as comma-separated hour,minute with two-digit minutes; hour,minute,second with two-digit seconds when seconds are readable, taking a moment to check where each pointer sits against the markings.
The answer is 10,29
